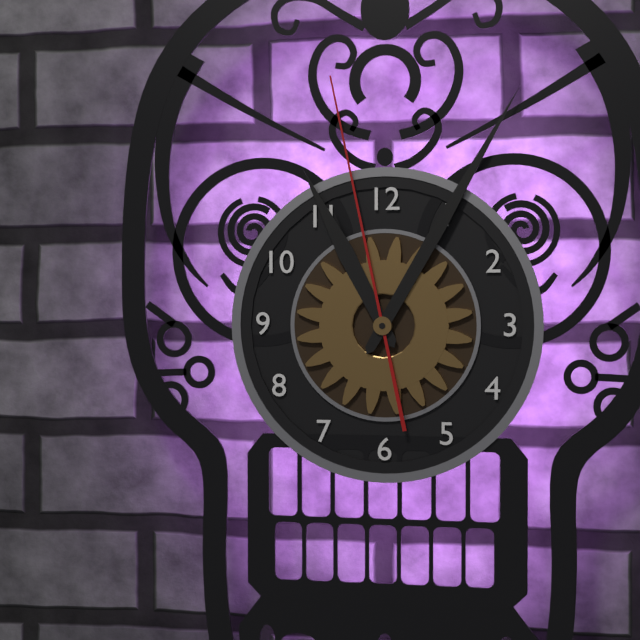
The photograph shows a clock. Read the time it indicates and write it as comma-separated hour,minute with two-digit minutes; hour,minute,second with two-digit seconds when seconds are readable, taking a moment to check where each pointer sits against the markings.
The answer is 11,05,58
